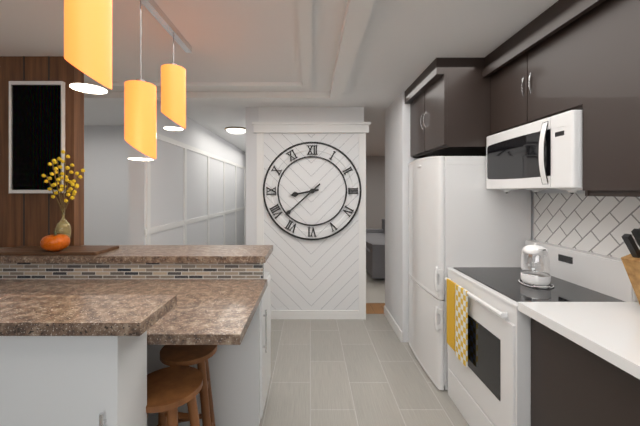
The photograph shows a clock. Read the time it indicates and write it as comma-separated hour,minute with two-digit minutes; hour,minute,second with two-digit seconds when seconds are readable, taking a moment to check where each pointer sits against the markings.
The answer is 8,38
